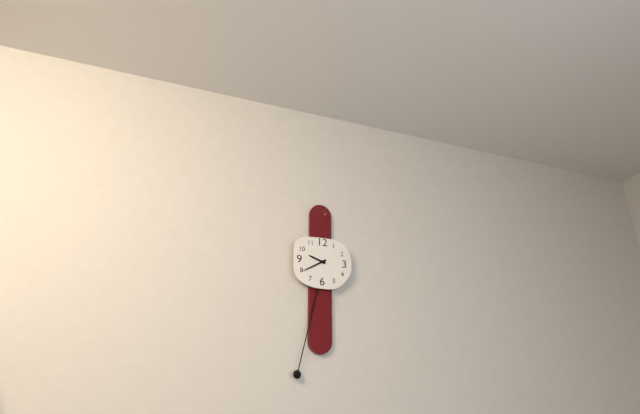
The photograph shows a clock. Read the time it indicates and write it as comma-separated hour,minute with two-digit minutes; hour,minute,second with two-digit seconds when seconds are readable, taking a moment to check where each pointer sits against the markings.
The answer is 9,40
